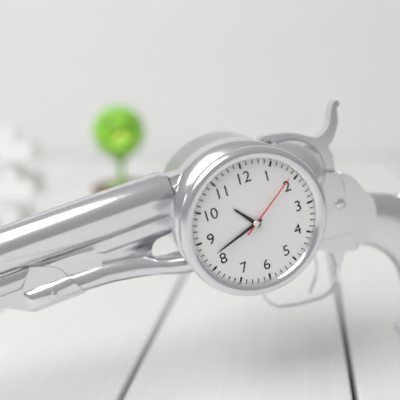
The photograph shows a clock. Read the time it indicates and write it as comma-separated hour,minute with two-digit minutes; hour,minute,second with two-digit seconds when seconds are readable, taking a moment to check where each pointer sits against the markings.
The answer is 10,42,09
